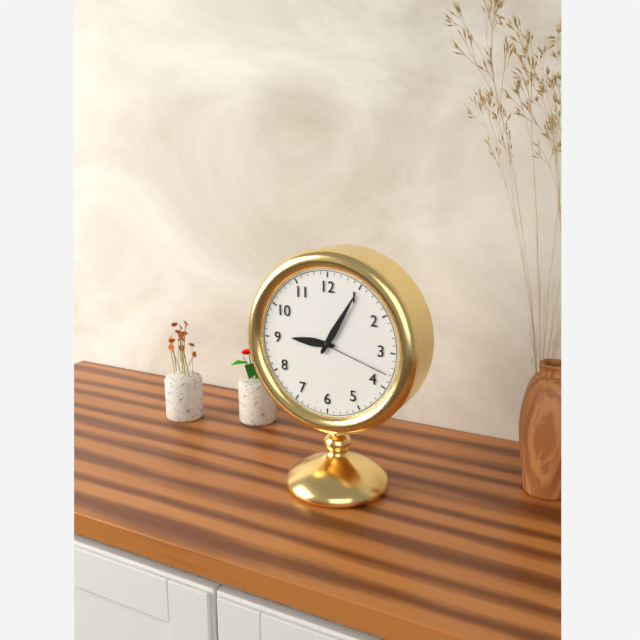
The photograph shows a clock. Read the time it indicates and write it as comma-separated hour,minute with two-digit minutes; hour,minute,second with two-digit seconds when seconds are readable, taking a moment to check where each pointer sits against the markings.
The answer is 9,05,18
